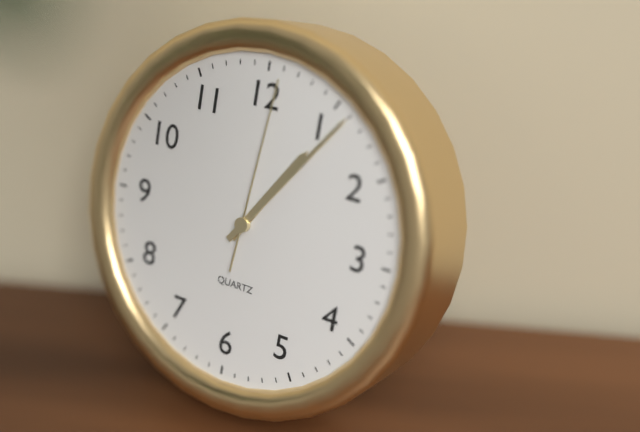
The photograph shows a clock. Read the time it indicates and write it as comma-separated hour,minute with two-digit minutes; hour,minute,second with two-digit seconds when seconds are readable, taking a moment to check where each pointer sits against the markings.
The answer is 1,06,01
